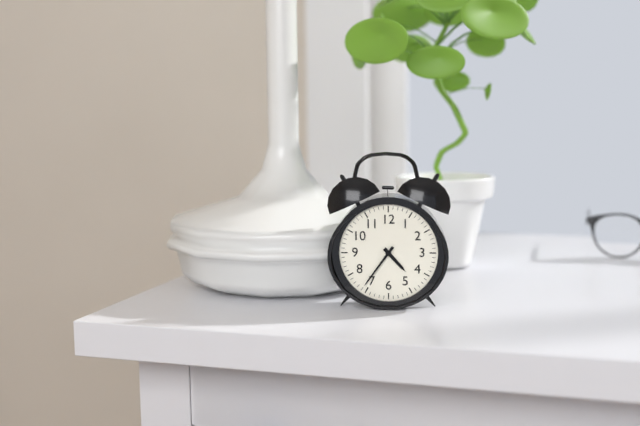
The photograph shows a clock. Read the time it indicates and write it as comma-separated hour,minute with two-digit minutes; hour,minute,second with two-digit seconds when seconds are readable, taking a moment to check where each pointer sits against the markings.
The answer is 4,36
